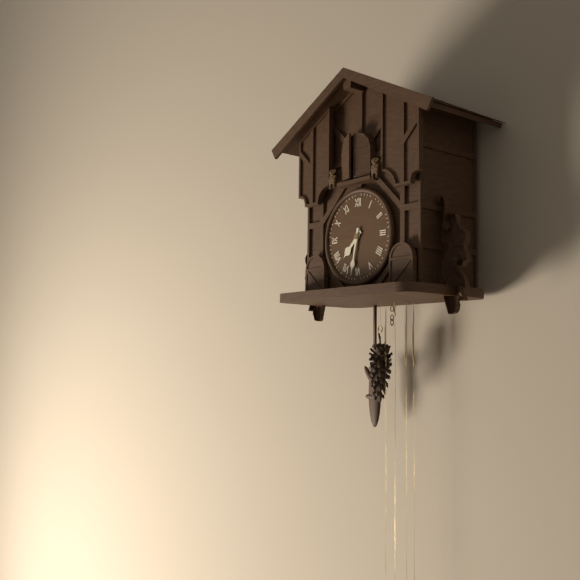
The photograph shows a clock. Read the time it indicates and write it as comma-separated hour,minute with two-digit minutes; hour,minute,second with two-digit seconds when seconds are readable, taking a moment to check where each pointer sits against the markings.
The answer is 7,32
